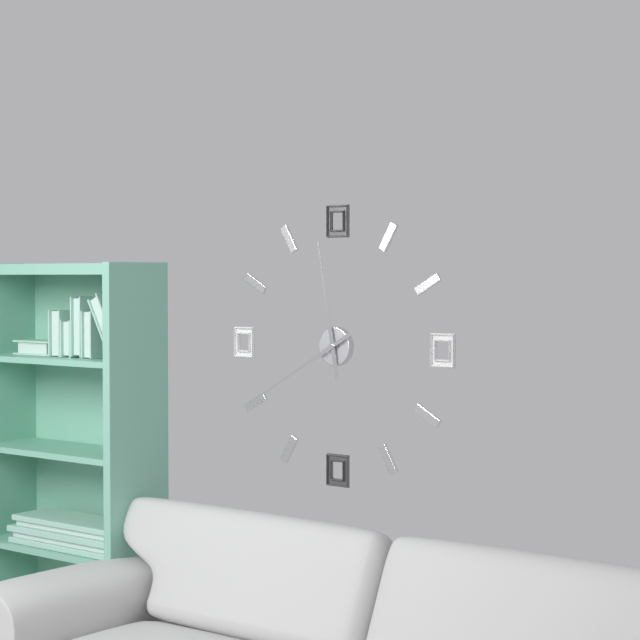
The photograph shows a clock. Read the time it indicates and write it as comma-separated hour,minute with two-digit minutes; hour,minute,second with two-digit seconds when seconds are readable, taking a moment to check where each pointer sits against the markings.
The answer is 11,40
